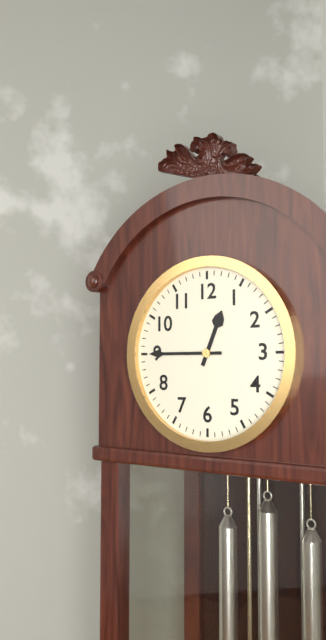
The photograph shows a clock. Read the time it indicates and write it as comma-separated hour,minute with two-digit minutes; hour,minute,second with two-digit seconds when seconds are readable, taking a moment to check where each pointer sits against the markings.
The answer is 12,45
